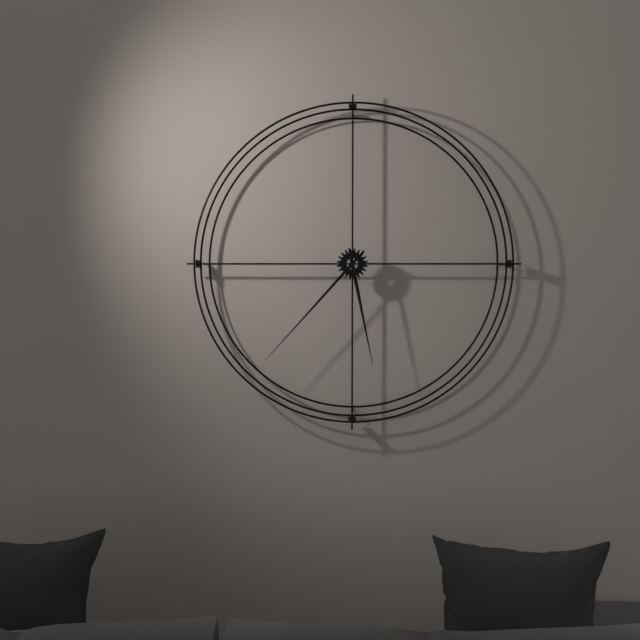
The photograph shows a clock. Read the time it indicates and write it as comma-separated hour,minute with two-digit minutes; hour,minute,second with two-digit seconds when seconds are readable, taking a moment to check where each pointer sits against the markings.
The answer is 5,37
